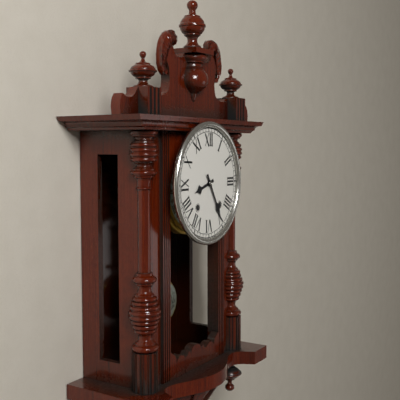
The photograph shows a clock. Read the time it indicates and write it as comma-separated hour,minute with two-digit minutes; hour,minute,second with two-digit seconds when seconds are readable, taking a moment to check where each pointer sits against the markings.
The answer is 8,25
